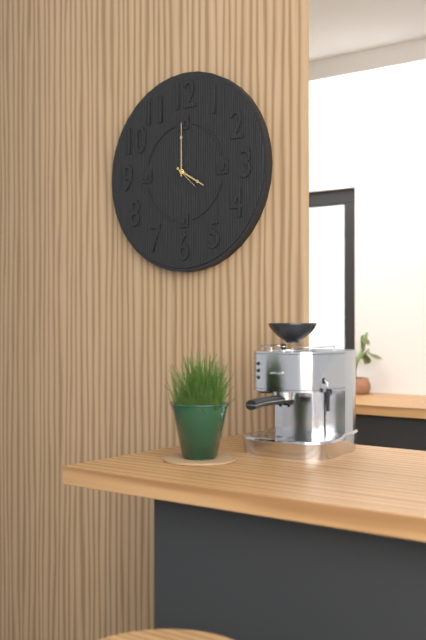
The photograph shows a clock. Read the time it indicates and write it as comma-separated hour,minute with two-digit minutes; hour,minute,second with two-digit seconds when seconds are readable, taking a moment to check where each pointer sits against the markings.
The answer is 4,00
